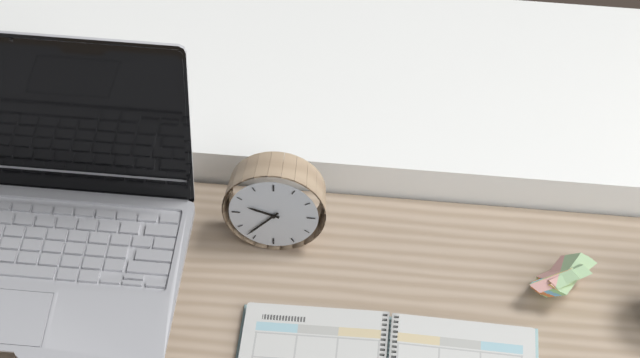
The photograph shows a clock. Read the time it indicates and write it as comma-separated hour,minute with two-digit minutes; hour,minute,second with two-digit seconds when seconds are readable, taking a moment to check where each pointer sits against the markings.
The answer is 9,37
